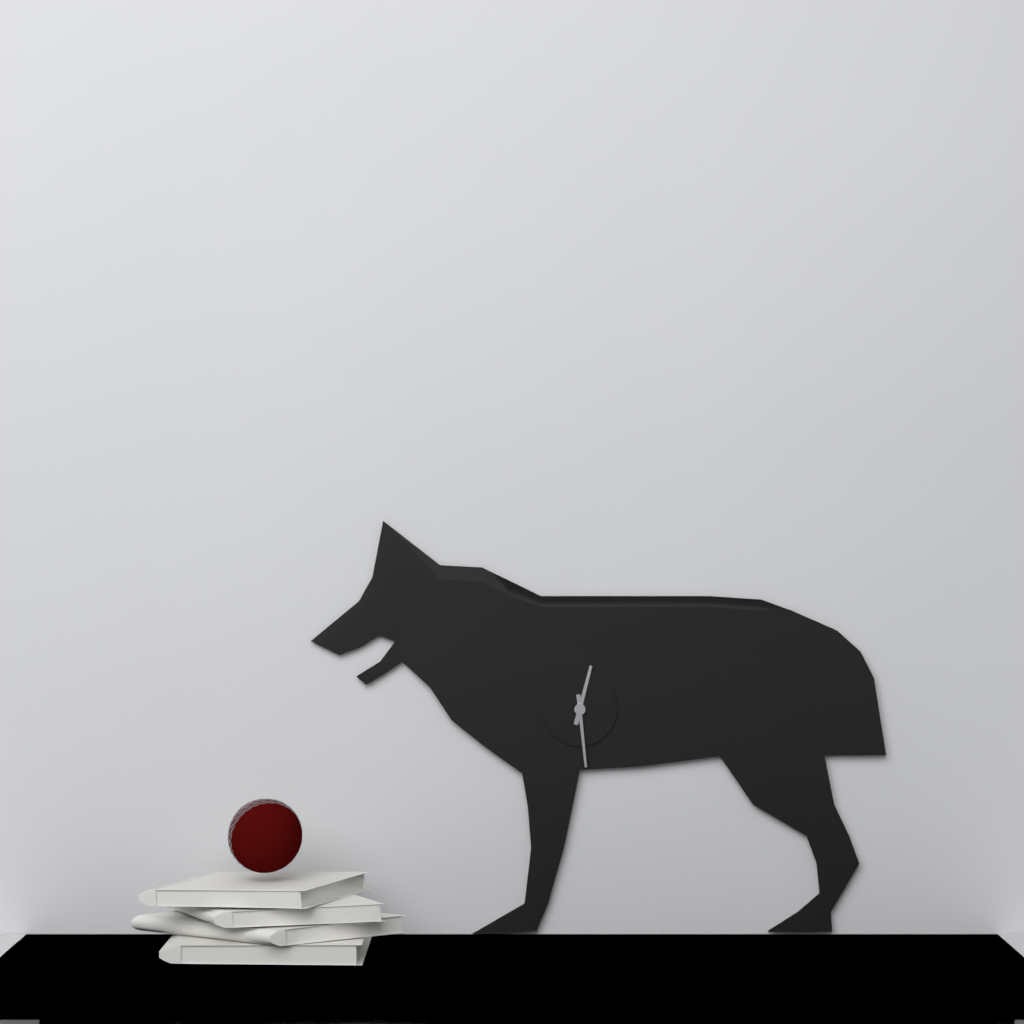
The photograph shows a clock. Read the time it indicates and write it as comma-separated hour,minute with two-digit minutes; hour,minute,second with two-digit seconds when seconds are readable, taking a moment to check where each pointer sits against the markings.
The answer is 12,29
